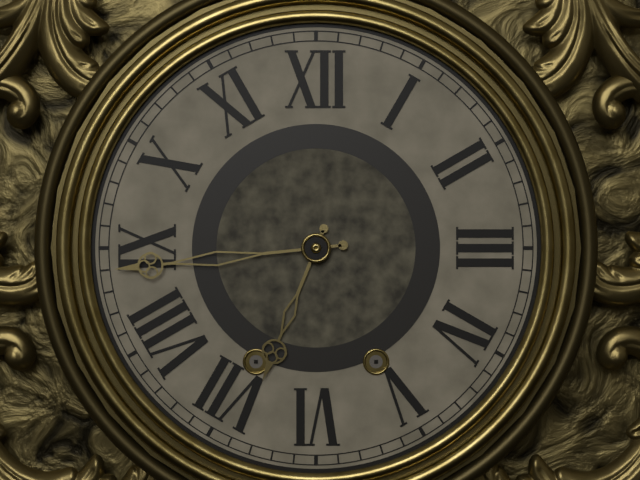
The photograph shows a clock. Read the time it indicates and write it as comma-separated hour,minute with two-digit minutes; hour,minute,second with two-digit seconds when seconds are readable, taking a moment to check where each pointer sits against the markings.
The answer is 6,44
